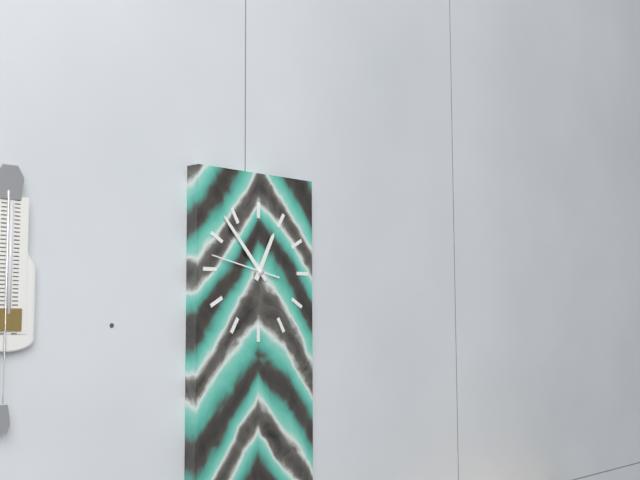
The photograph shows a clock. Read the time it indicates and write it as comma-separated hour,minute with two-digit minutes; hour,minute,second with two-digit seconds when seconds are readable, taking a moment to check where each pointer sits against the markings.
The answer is 12,53
